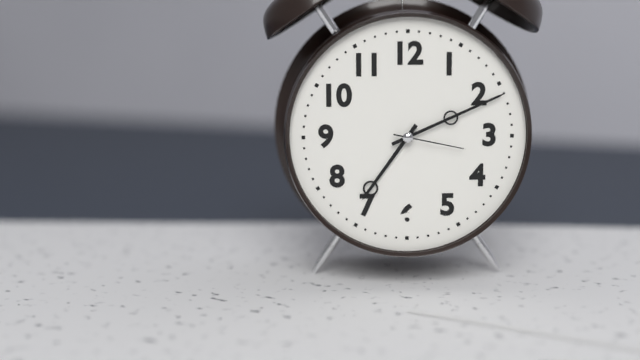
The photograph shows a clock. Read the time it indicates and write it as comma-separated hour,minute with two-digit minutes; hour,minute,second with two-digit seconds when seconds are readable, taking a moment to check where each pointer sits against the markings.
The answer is 7,11,17
